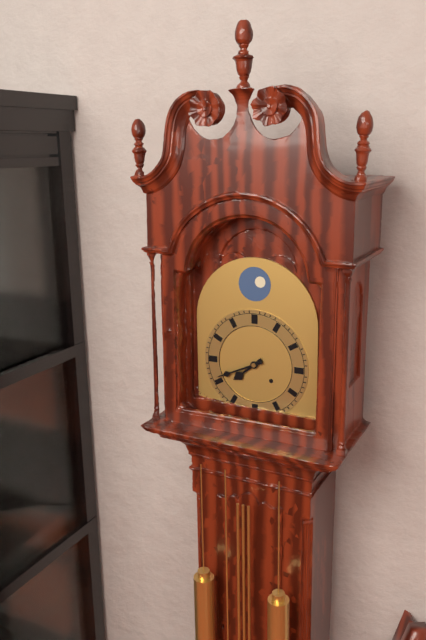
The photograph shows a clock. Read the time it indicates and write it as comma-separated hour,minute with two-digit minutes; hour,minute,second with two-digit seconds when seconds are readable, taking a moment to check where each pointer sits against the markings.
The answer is 7,41
